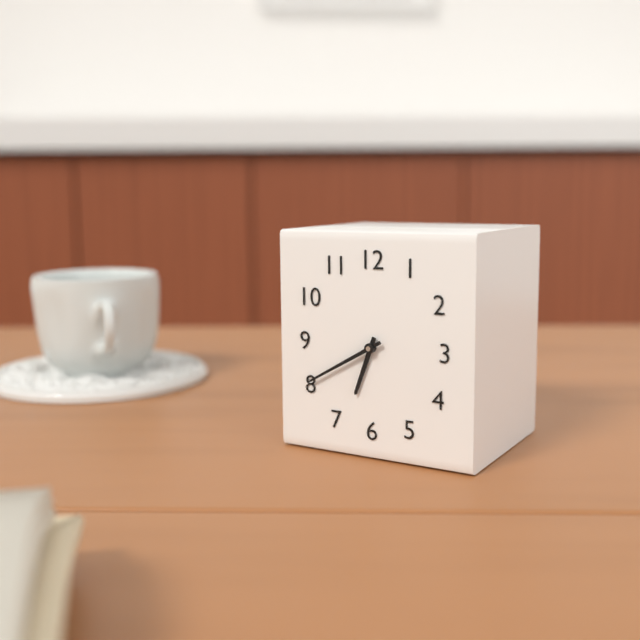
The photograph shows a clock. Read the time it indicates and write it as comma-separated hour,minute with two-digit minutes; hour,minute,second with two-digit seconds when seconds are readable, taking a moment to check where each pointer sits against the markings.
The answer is 6,40
